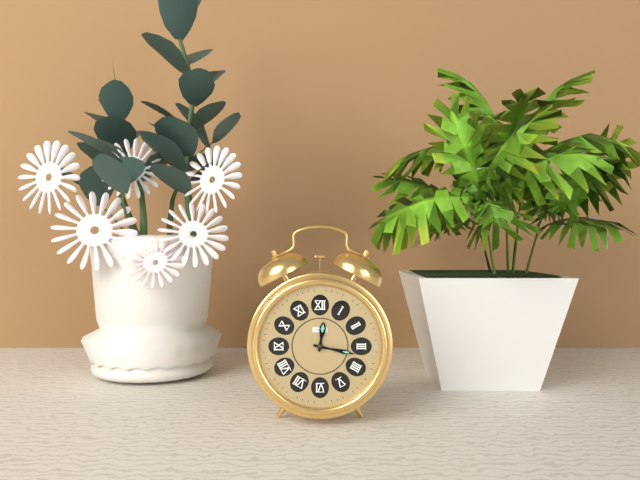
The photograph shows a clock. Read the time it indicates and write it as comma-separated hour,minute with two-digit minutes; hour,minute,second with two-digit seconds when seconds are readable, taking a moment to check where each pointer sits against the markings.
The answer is 12,17
